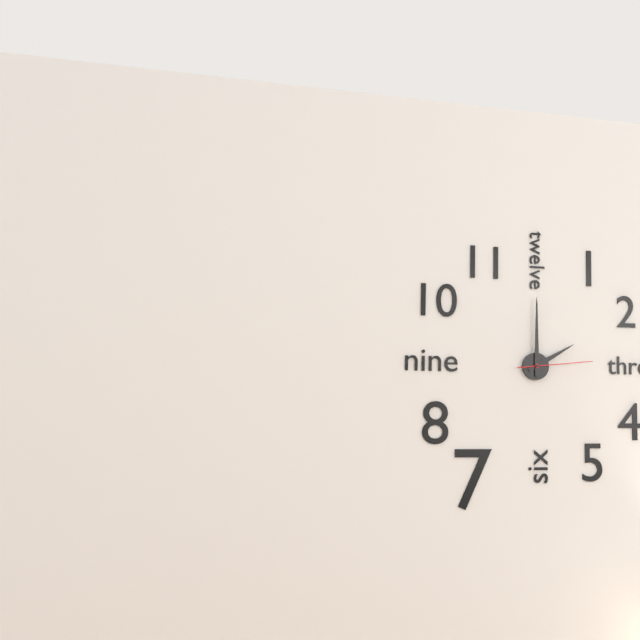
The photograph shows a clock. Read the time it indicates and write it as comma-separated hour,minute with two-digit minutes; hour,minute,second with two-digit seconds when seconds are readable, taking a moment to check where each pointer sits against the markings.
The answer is 2,00,14
